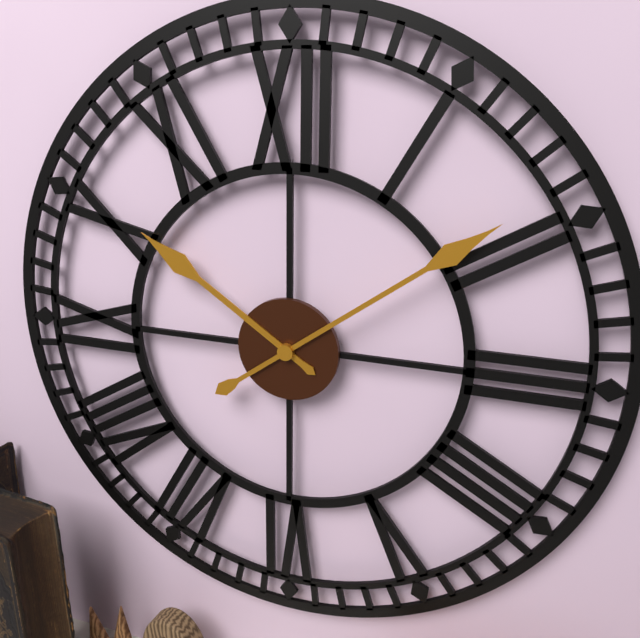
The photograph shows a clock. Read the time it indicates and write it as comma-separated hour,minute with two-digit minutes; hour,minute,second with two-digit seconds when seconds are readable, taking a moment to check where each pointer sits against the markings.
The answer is 10,09
